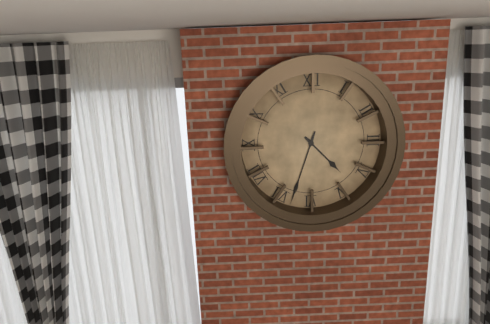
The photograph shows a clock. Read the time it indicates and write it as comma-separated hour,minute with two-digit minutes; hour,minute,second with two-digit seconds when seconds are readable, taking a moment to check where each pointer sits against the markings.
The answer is 4,33
